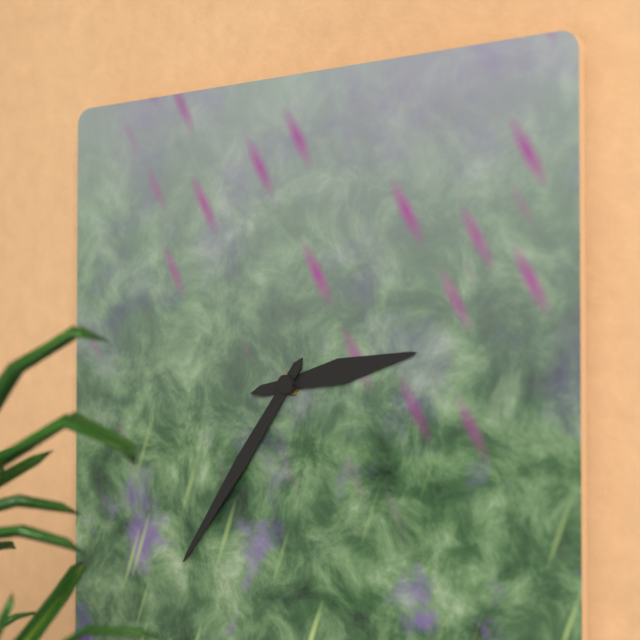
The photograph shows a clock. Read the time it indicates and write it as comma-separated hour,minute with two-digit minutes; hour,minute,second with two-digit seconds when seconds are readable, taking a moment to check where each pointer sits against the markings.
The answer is 2,36
